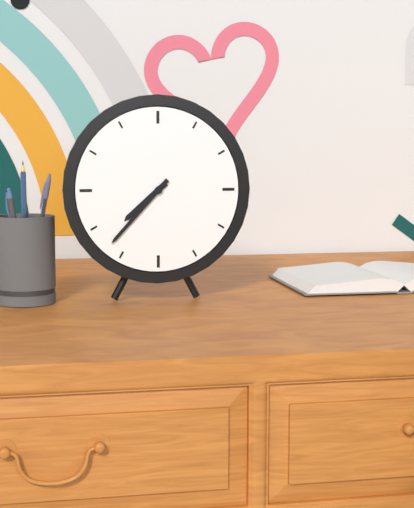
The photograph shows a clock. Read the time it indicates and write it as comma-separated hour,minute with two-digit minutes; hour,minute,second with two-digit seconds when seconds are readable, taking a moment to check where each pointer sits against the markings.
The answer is 7,37
